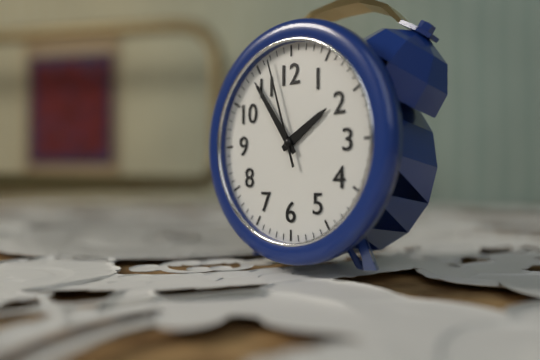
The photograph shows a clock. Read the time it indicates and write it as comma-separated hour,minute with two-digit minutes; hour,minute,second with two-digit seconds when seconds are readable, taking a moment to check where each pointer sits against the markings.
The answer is 1,54,57
